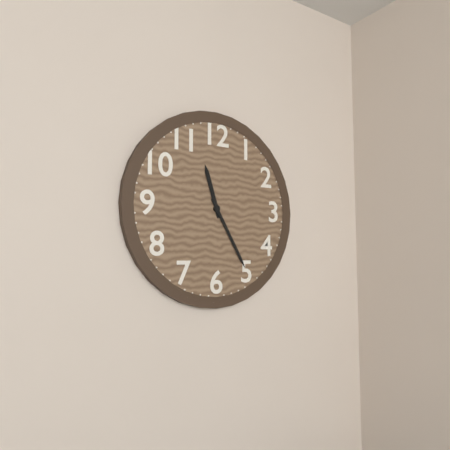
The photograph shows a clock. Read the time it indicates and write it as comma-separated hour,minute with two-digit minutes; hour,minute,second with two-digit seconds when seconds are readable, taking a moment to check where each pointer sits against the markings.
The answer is 11,25
